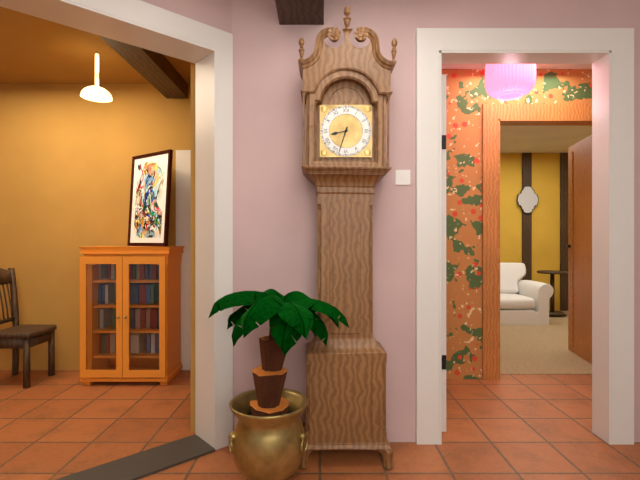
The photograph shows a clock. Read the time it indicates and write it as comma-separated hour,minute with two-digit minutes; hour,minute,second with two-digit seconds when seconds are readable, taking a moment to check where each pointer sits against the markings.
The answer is 8,33
